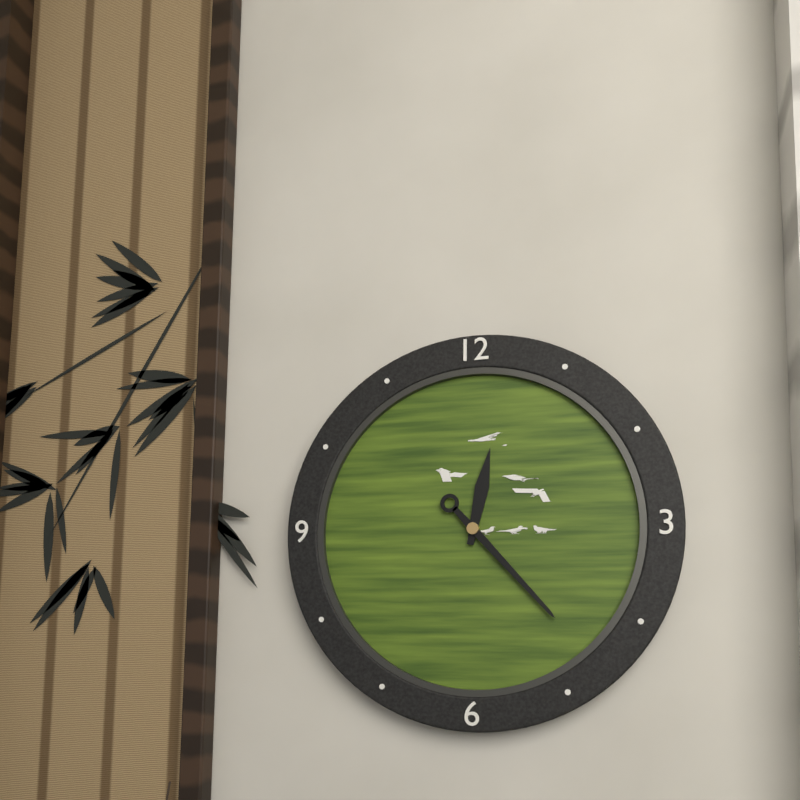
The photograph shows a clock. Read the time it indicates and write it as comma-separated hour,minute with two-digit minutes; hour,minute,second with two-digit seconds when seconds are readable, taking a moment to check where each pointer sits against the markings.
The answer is 12,23
